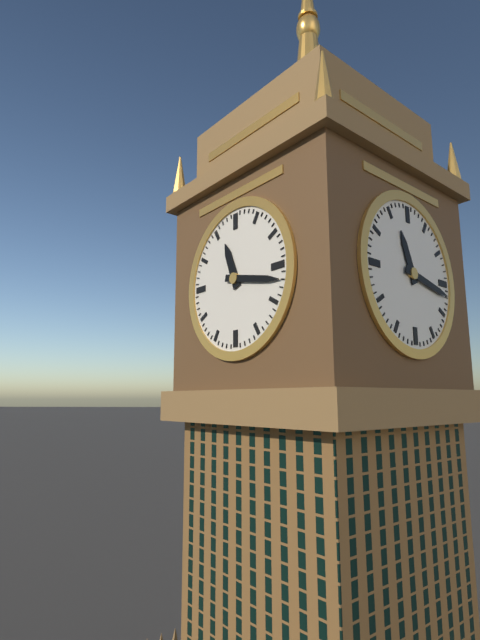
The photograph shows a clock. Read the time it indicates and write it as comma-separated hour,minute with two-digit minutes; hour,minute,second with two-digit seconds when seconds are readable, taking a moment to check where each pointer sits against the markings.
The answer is 11,17
